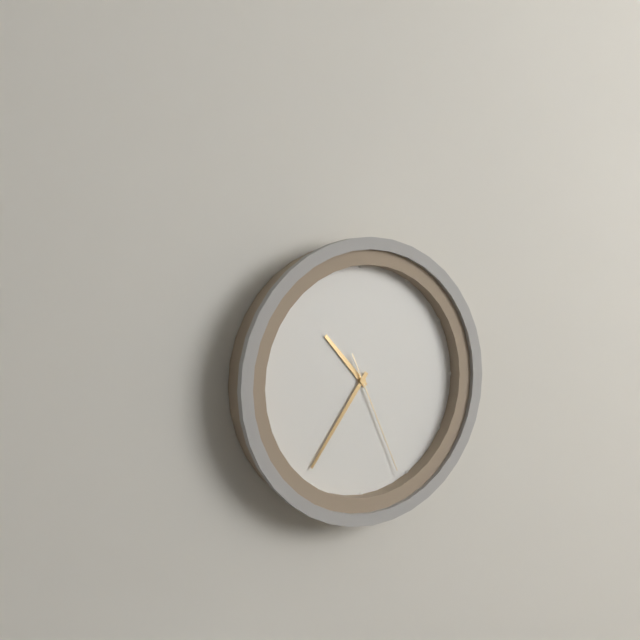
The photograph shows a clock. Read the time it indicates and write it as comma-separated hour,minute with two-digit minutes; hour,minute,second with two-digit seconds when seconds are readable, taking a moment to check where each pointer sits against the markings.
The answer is 10,36,26
